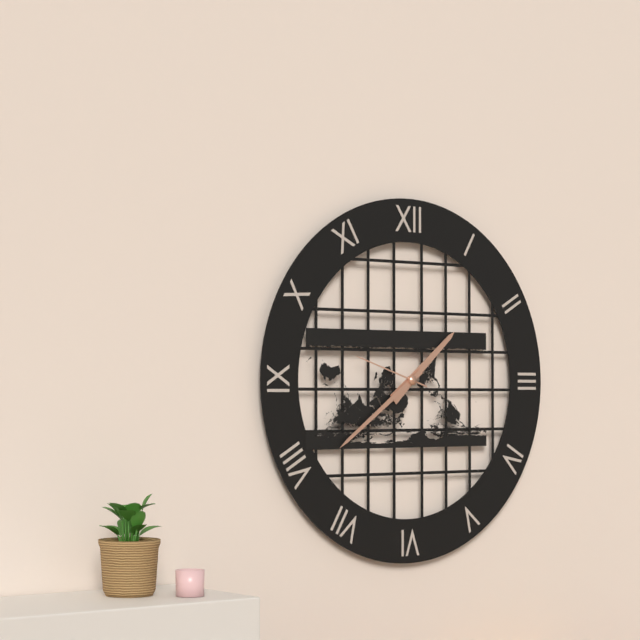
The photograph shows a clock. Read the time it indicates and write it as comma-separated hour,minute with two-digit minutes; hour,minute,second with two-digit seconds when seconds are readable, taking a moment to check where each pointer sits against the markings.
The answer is 1,39,48
